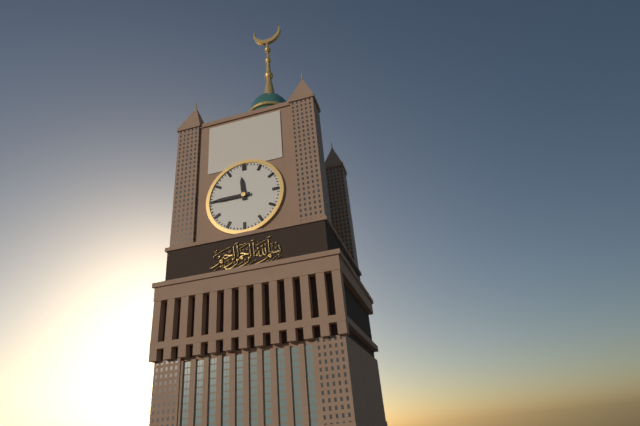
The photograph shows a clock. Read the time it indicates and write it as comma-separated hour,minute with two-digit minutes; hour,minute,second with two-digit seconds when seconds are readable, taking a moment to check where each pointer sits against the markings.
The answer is 11,45
